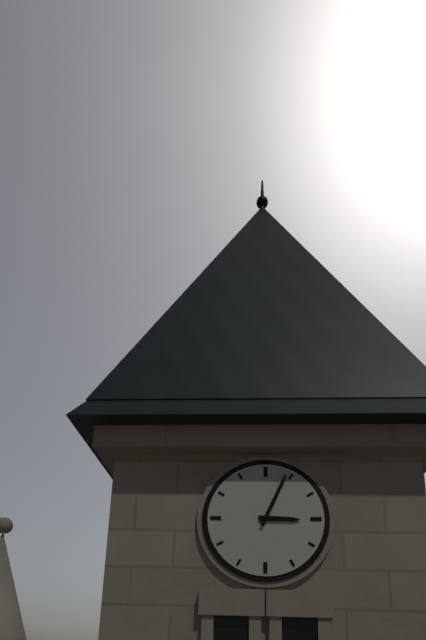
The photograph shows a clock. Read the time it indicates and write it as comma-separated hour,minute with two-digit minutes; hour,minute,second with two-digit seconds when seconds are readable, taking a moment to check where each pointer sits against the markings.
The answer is 3,04
